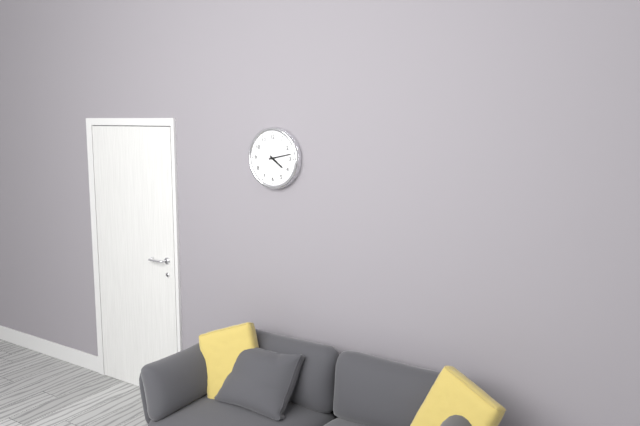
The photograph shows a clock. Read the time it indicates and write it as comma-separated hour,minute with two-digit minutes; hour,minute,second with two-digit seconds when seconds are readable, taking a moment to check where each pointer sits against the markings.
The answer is 4,13
